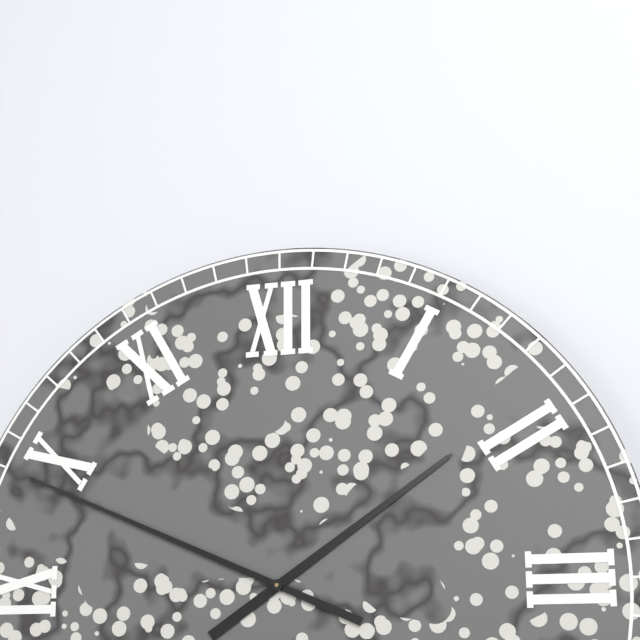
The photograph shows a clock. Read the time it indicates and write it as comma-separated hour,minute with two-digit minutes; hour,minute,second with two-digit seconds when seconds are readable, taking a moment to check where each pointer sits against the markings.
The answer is 1,49
